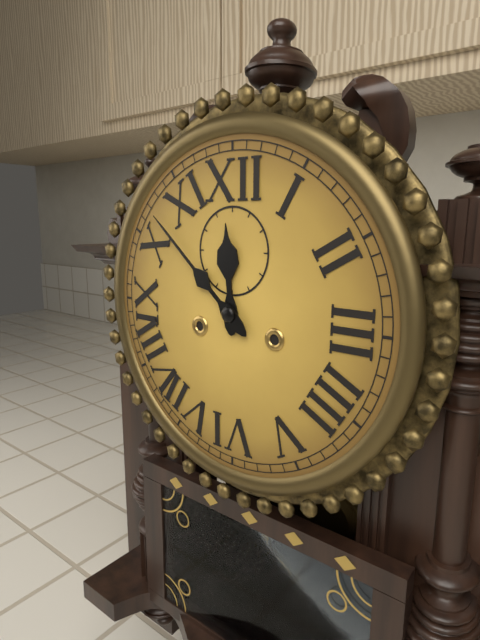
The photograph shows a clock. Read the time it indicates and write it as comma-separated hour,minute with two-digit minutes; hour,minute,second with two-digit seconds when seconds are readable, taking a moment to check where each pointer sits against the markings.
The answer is 11,52
